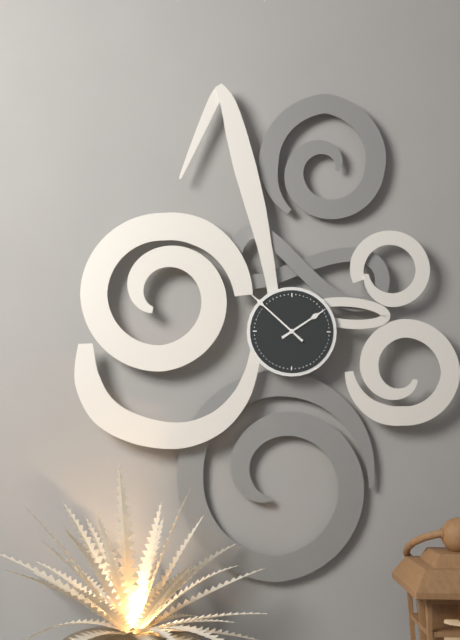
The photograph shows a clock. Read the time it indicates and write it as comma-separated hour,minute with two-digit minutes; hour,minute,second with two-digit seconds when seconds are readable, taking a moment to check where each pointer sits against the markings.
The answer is 1,52
